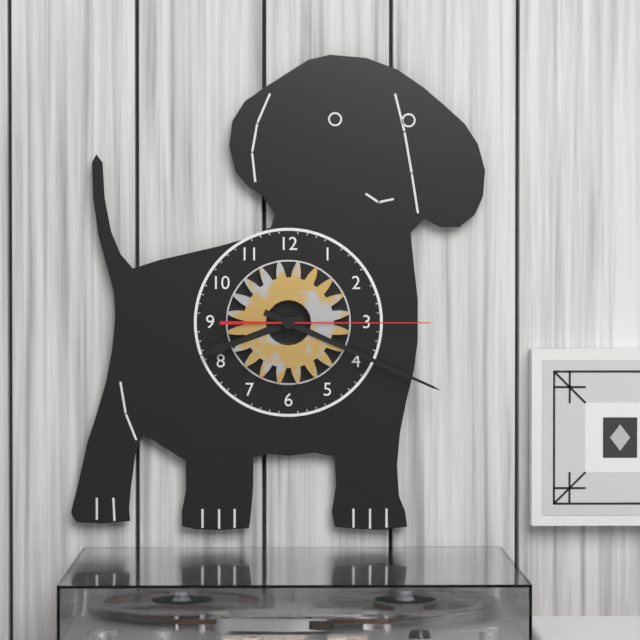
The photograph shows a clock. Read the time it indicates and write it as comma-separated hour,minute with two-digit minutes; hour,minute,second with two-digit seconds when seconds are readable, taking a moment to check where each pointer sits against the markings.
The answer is 8,19,15
